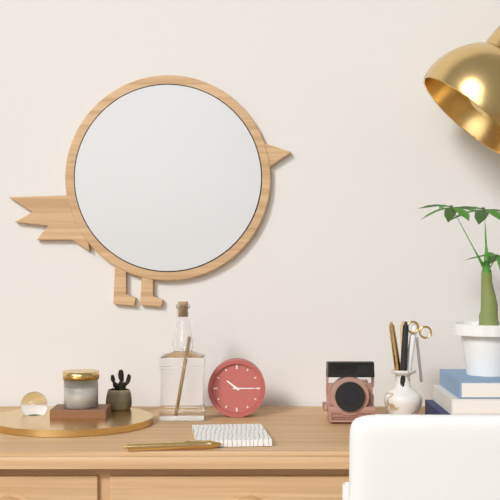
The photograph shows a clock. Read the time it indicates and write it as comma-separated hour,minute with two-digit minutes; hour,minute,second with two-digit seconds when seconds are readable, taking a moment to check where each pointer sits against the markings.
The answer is 10,15
